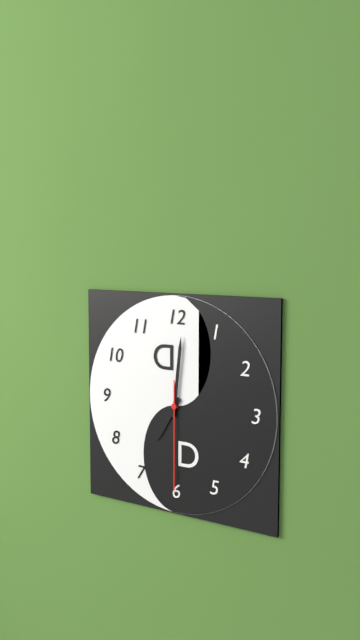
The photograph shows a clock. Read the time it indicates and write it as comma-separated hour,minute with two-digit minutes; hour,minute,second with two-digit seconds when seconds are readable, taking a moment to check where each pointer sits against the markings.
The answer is 7,01,30
